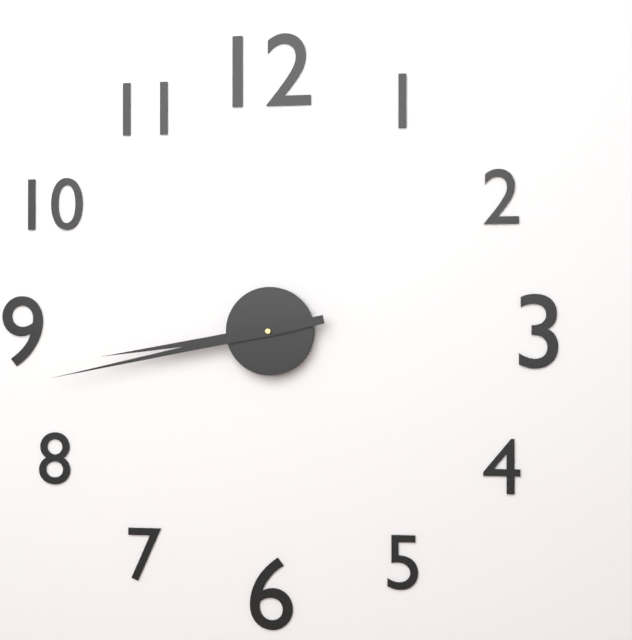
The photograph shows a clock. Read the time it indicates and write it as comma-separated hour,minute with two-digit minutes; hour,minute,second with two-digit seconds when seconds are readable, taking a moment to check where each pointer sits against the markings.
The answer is 8,43
